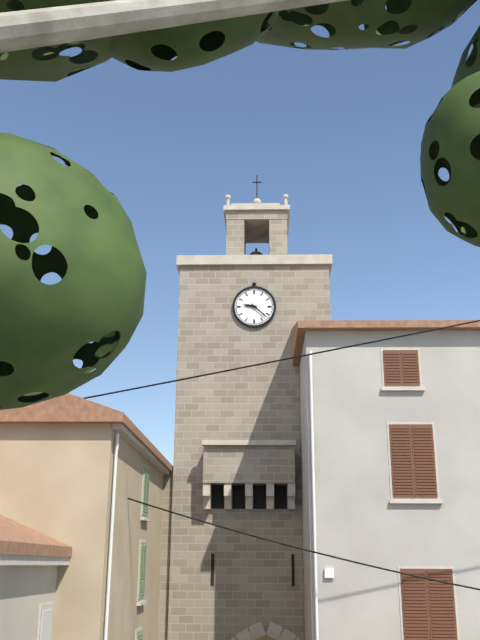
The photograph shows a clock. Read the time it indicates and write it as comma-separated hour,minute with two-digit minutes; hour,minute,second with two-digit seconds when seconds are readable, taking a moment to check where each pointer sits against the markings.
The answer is 9,22
